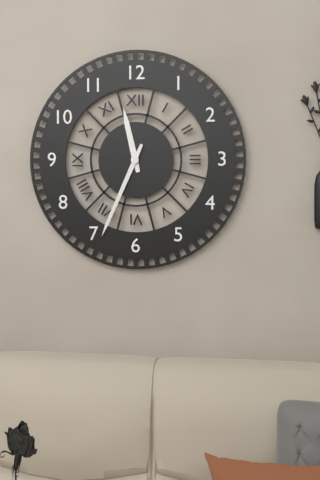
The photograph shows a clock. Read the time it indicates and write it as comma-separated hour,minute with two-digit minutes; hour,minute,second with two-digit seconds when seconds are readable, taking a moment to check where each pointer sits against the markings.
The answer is 11,34
